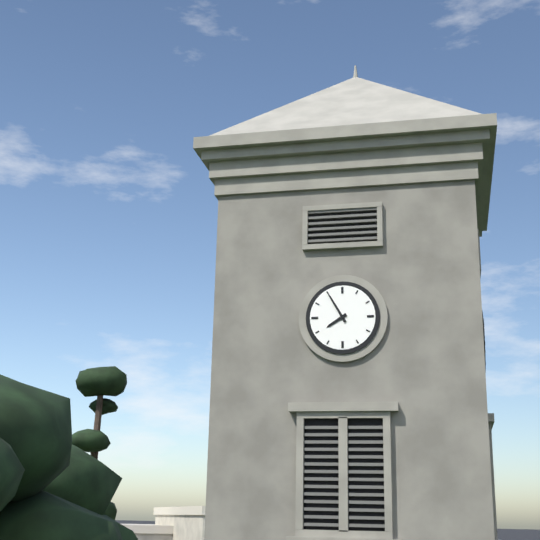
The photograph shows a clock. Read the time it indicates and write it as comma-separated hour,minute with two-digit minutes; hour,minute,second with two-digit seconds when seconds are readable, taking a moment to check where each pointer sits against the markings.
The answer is 7,55
